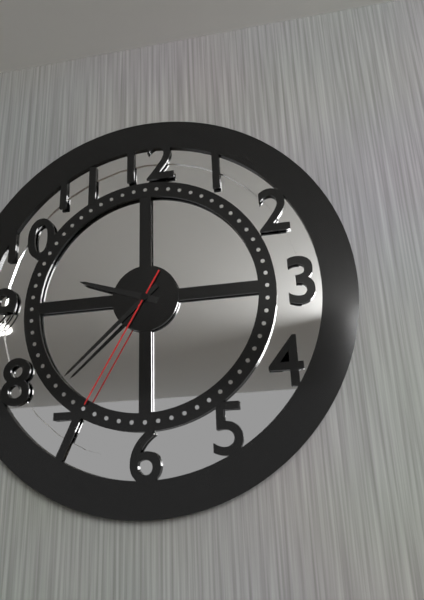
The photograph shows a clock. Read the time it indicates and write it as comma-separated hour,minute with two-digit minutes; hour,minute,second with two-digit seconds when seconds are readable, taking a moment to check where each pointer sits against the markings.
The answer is 9,38,35
